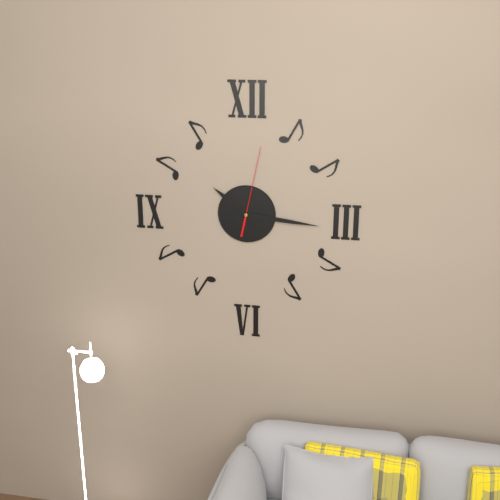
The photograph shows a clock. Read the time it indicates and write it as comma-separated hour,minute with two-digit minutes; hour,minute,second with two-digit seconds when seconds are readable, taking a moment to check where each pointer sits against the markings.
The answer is 10,16,02
